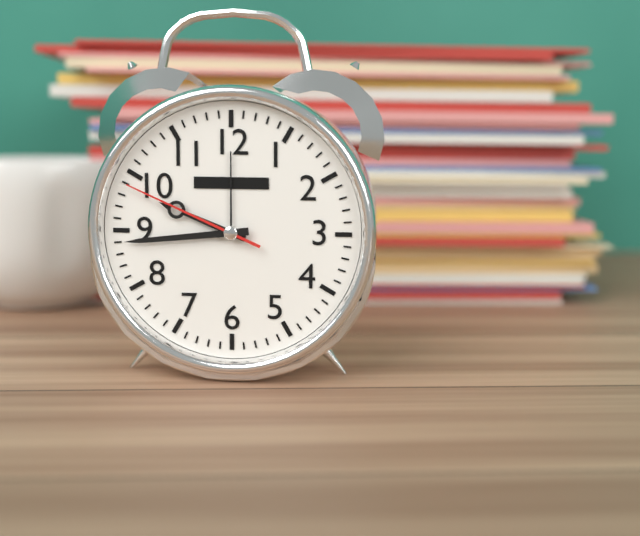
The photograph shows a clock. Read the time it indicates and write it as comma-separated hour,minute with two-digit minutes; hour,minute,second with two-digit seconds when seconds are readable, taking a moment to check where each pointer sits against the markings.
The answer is 9,44,49
